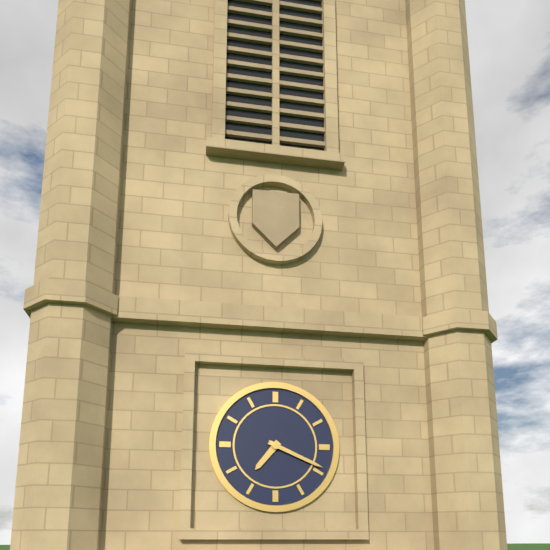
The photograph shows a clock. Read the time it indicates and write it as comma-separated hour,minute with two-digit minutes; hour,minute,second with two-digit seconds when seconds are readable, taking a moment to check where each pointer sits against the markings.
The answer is 7,19
